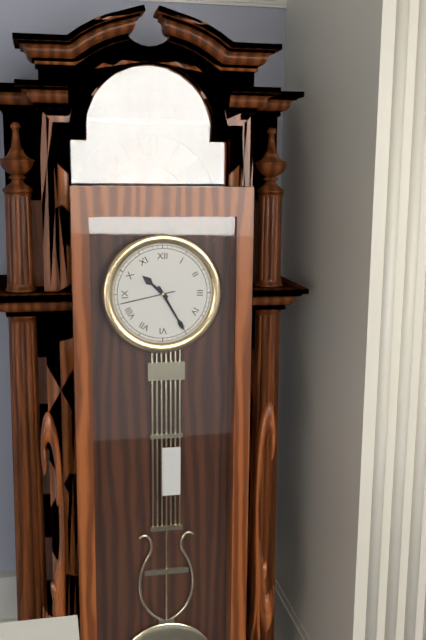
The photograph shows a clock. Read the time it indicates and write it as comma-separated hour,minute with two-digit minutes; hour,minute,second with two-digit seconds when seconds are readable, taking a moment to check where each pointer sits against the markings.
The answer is 10,25,43
